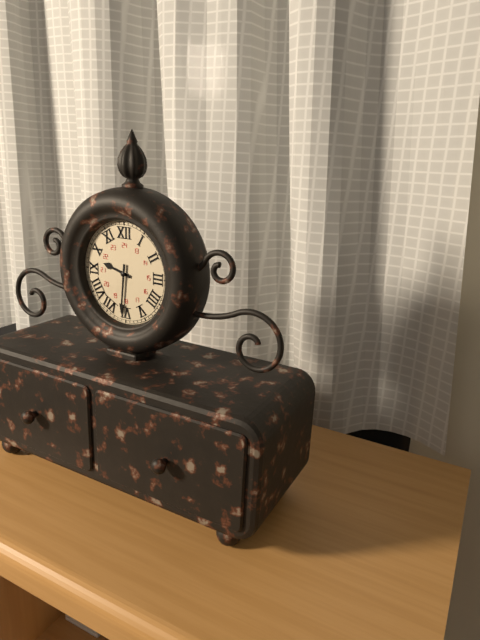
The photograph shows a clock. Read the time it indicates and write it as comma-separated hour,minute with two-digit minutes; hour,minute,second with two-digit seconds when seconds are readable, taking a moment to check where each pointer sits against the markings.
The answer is 9,31
